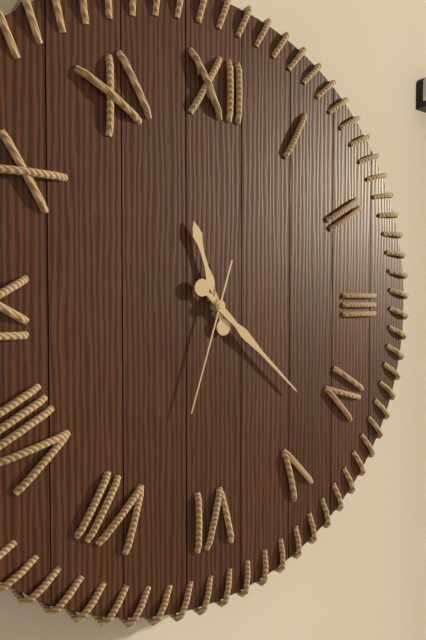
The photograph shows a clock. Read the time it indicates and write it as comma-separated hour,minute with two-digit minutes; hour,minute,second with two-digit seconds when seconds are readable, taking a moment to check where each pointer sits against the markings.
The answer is 11,22,33
